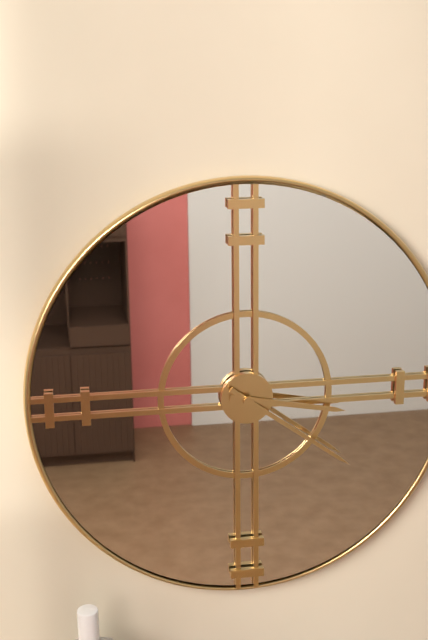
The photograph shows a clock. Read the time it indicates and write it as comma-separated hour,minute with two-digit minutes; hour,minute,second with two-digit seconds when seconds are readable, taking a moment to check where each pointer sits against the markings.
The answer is 3,21
